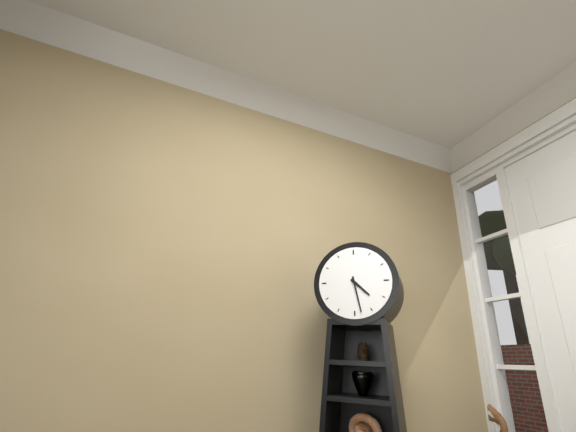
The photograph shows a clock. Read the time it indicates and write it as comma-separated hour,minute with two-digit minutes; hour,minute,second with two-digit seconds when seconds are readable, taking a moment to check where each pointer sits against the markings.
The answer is 4,28
